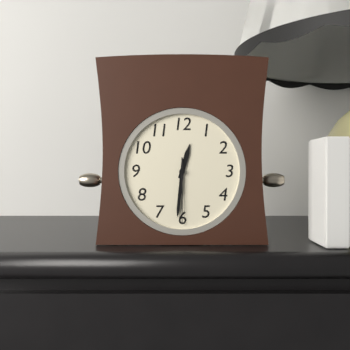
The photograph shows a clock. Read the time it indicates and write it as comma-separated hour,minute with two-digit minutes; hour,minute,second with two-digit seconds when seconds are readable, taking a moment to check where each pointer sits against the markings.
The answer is 12,31,30
